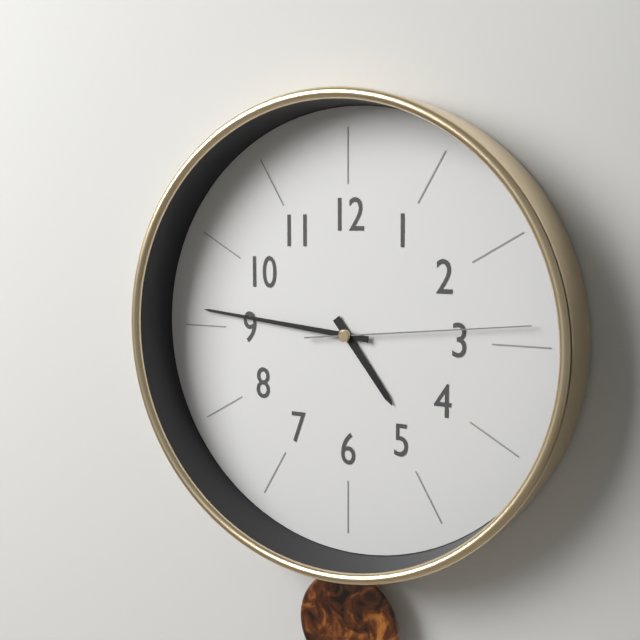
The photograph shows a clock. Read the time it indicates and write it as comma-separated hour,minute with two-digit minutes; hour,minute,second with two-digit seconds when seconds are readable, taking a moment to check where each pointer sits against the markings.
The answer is 4,46,14
